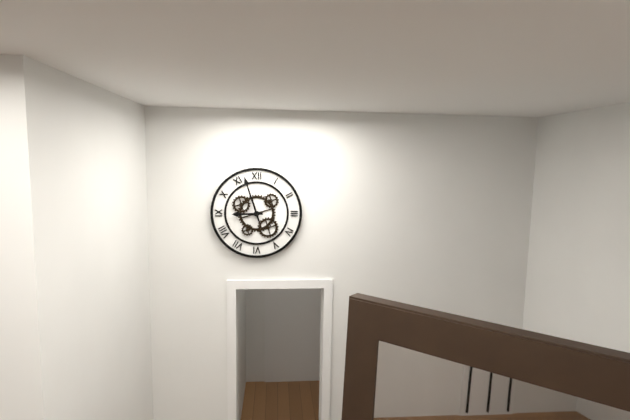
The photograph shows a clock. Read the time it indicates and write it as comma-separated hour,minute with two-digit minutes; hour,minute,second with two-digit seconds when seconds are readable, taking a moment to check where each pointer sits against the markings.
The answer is 8,57
